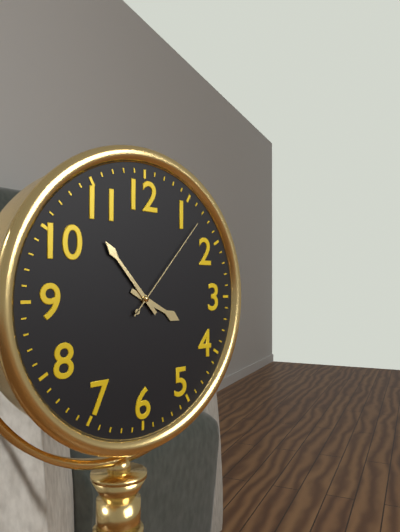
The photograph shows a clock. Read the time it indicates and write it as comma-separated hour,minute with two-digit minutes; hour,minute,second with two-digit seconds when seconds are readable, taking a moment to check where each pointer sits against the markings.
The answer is 3,53,07
